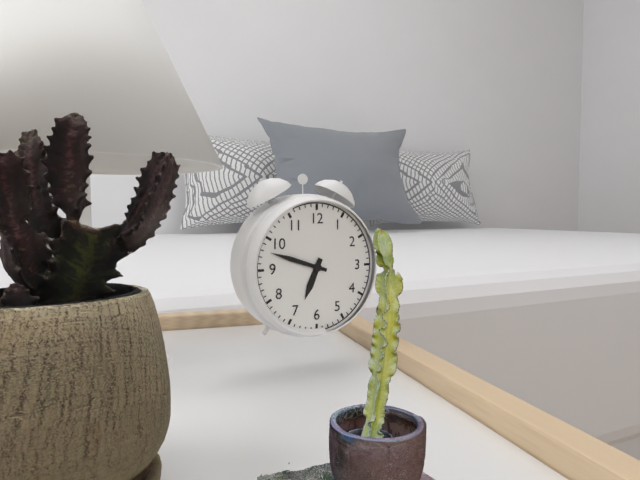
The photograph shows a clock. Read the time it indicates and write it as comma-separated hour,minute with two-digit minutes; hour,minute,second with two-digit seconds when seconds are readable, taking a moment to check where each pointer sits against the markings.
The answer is 6,48
